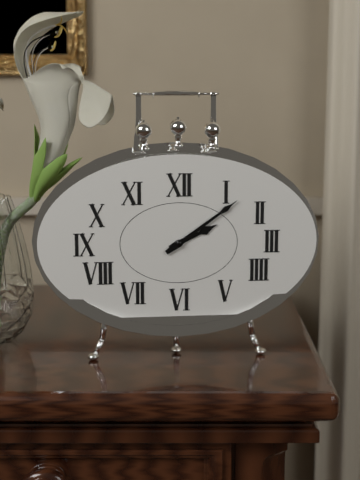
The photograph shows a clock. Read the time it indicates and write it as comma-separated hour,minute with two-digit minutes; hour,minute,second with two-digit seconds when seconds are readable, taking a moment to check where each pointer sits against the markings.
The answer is 2,09
